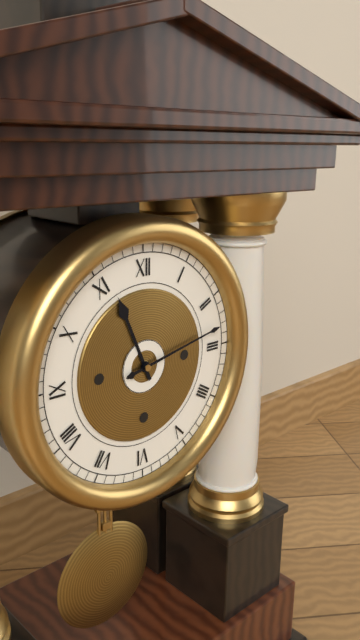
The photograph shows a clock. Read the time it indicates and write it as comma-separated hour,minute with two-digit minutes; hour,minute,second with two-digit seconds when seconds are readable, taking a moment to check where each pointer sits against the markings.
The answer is 11,13
